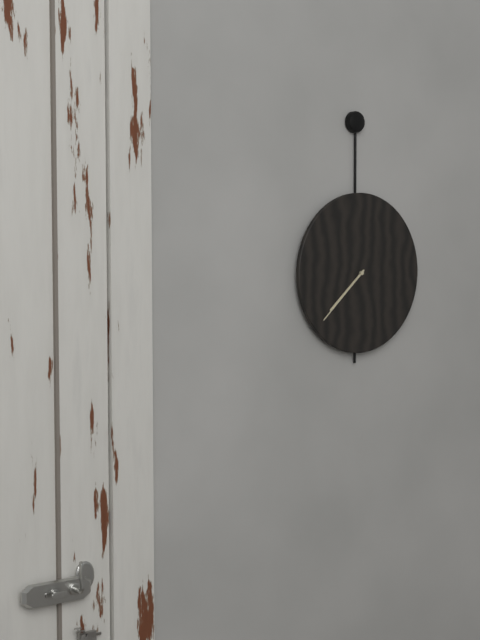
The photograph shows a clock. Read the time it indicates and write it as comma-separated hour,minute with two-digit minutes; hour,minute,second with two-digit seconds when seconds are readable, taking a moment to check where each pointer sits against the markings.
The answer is 7,38
